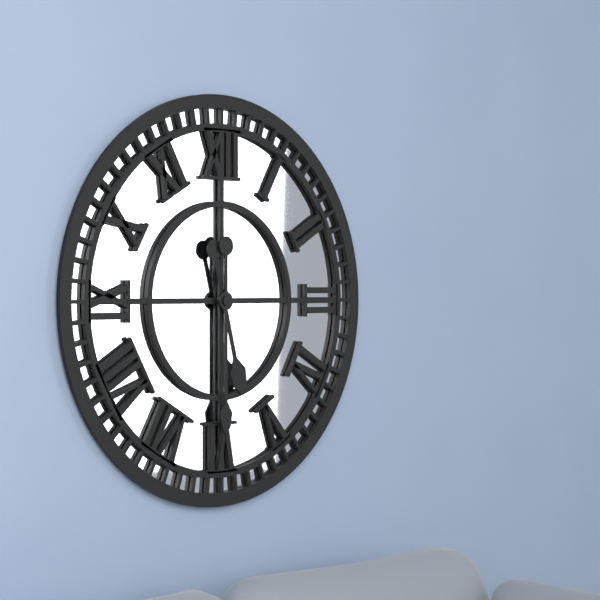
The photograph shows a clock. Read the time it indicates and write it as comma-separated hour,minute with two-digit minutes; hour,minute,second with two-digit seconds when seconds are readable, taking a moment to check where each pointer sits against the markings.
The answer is 5,30
